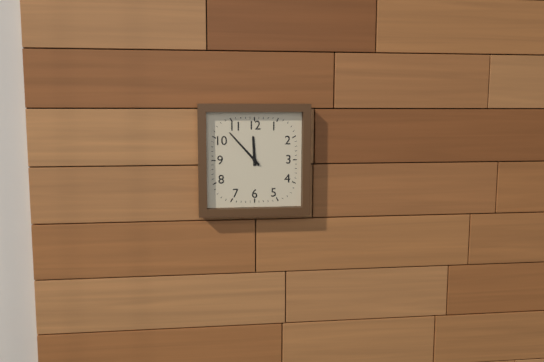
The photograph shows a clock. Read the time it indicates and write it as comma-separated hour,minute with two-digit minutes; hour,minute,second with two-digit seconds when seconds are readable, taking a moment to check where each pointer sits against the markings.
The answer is 11,53
